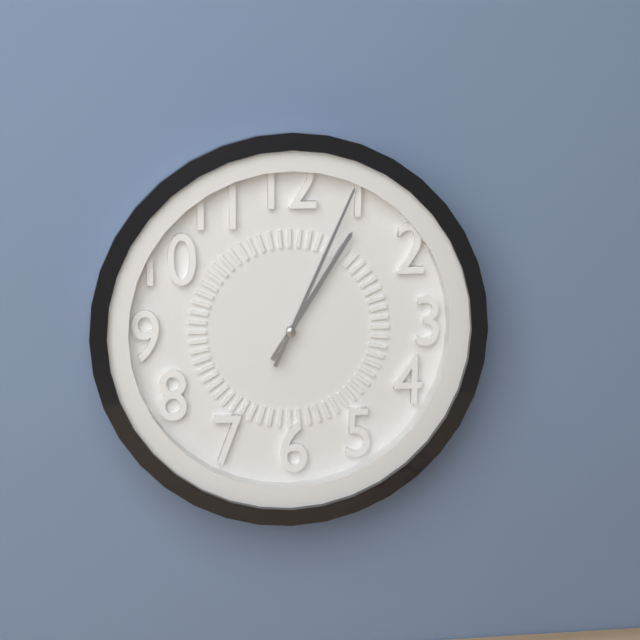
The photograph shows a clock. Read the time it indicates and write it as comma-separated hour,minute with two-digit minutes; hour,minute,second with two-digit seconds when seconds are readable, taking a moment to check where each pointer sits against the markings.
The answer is 1,04
